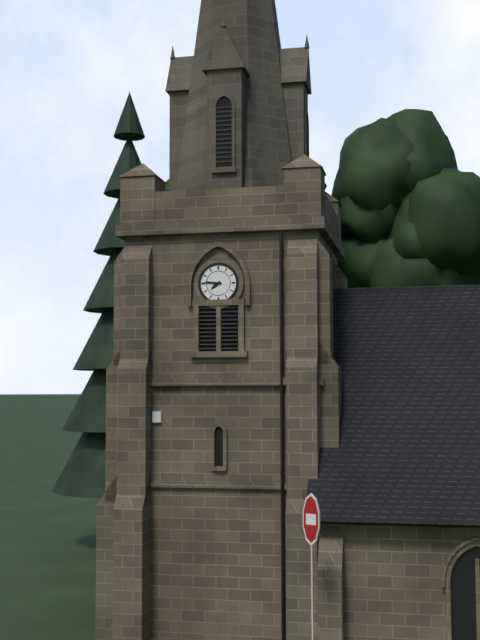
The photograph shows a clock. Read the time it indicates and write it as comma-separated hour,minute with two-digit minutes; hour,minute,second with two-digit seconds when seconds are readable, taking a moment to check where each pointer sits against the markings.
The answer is 7,46
